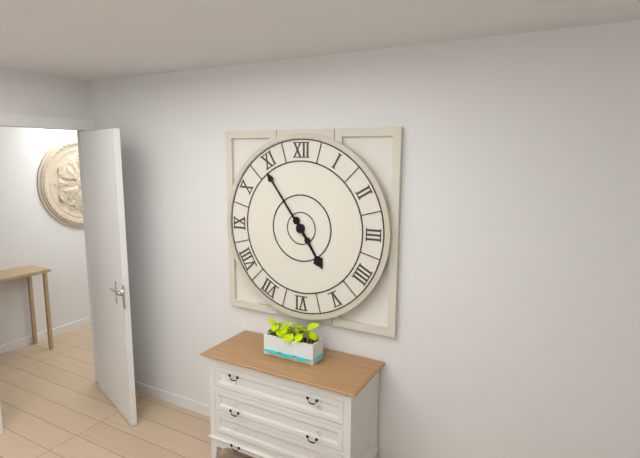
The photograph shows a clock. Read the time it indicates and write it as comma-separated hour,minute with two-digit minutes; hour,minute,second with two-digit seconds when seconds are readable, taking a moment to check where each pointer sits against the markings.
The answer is 4,54
